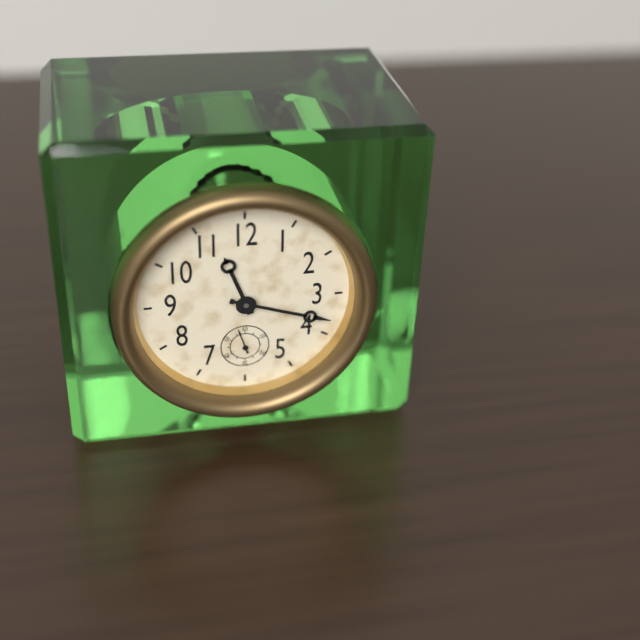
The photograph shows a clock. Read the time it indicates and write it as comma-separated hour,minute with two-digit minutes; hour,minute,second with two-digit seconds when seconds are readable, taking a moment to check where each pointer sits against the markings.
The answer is 11,18
